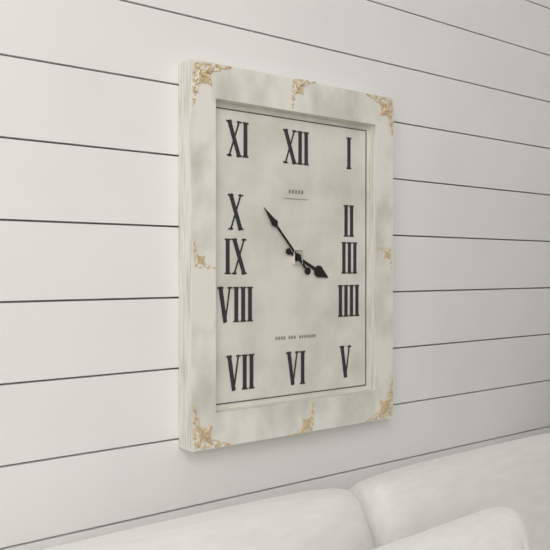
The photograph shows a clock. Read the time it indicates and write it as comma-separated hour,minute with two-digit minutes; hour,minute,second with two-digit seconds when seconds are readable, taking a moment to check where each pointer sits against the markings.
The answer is 3,53
